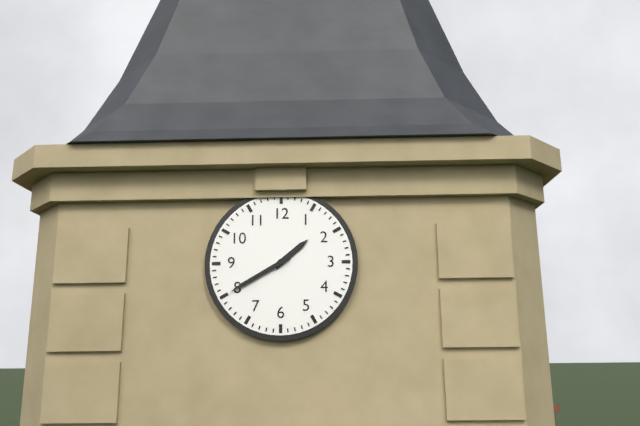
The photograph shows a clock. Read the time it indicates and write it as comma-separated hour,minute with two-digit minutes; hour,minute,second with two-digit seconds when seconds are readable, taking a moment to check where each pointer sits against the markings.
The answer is 1,40
